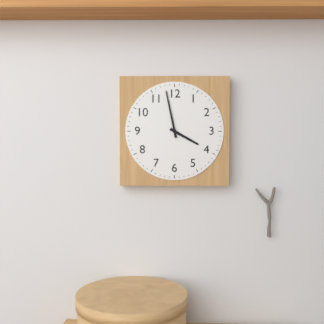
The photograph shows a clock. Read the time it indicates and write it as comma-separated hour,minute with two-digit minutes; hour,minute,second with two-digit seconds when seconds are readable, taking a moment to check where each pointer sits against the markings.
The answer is 3,58
